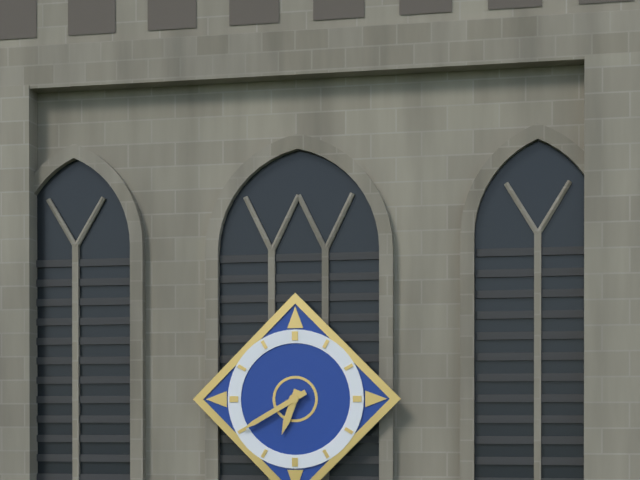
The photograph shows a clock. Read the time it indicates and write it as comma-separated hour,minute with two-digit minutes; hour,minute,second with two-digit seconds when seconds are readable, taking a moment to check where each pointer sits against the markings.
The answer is 6,40
